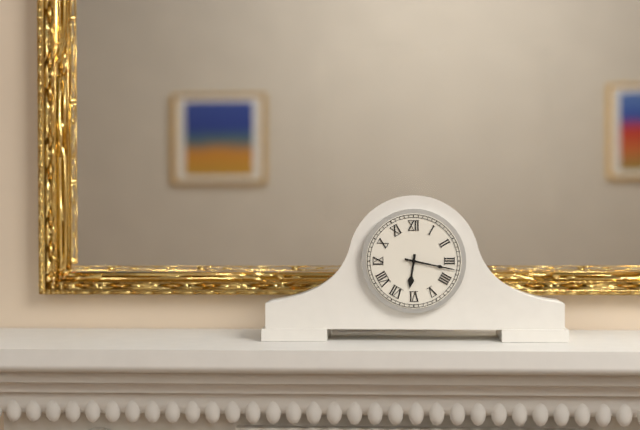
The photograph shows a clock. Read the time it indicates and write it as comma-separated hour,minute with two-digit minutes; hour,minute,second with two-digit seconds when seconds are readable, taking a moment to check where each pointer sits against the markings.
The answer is 6,17
